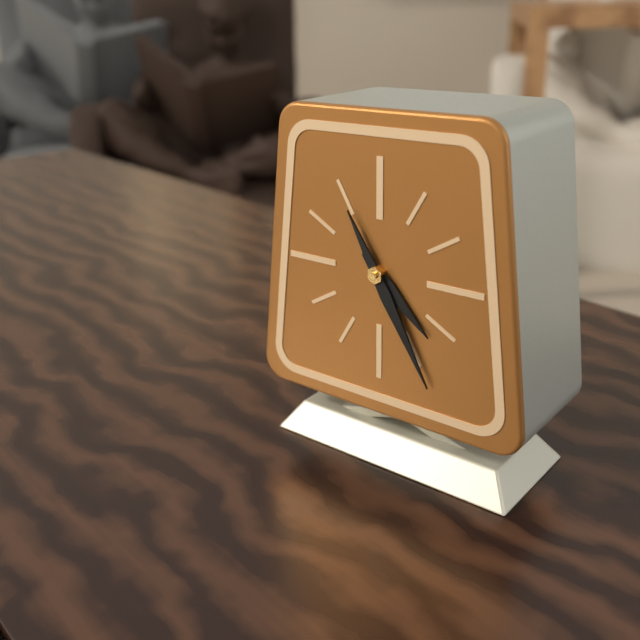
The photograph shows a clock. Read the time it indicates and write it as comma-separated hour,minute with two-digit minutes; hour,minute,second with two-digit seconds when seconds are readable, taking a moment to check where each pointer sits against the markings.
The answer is 4,25
